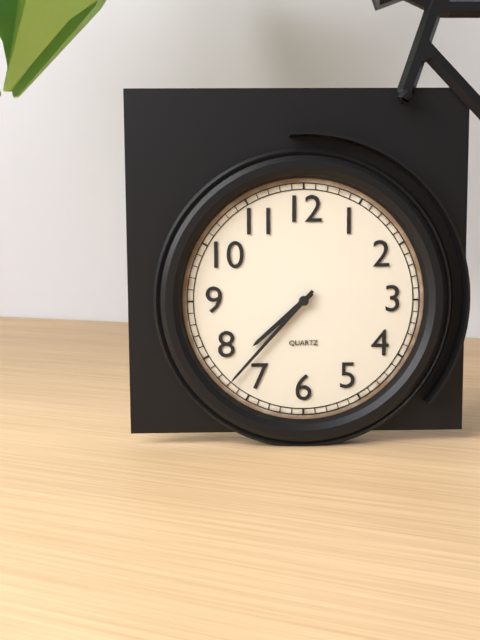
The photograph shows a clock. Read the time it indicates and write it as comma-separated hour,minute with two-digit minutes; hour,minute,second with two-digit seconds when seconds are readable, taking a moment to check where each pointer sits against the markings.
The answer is 7,37
